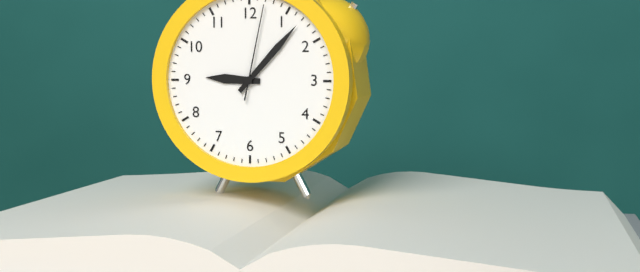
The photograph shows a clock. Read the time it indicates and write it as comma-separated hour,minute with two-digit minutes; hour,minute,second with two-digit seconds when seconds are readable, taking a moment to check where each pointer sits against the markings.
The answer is 9,07,02
